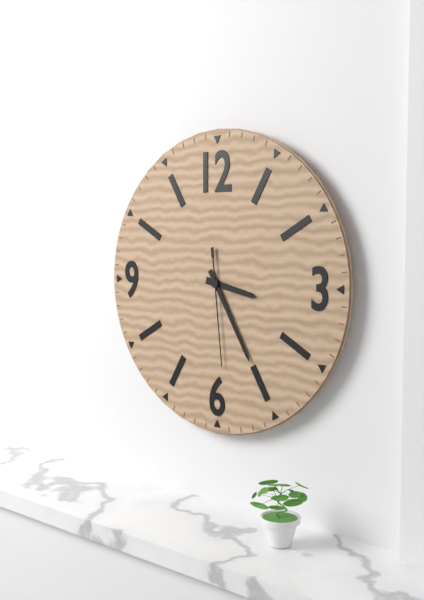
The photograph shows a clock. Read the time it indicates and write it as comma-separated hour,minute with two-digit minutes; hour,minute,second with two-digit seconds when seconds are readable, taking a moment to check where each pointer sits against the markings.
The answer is 3,25,29
